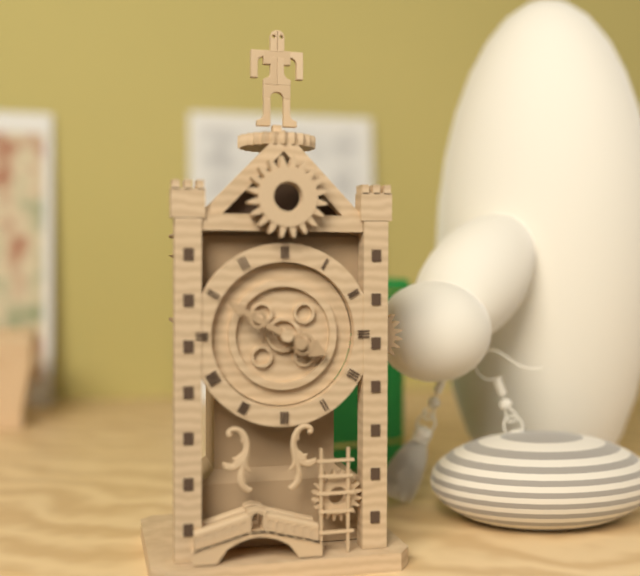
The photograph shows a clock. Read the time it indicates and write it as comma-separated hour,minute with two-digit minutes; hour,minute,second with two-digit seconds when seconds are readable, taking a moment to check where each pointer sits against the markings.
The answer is 3,50
